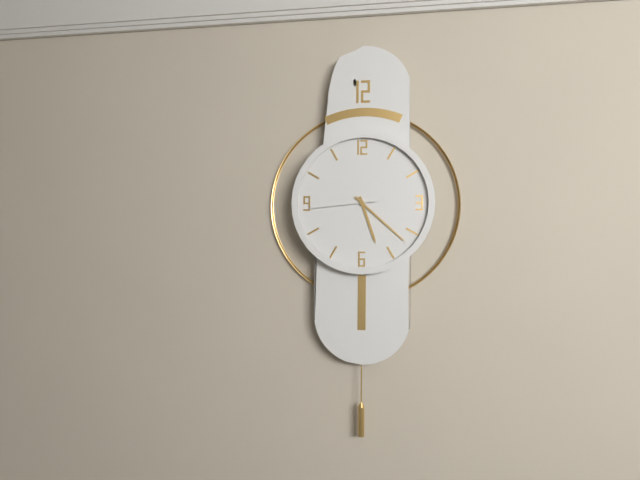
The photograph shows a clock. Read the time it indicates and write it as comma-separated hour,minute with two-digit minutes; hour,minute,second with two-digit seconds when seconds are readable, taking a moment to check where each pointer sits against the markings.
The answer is 5,22,44
